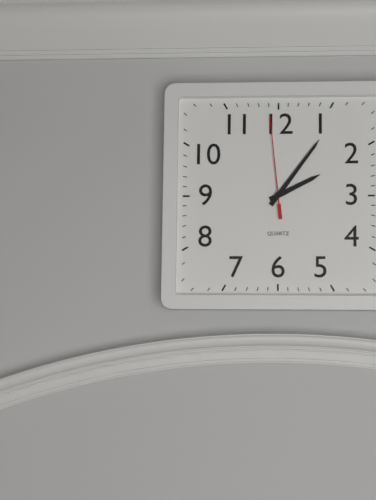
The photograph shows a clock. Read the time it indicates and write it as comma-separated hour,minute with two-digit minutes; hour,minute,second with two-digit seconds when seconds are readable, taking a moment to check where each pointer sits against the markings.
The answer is 2,06,59
